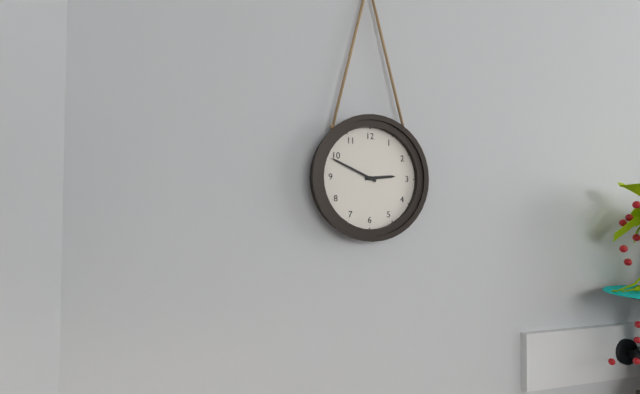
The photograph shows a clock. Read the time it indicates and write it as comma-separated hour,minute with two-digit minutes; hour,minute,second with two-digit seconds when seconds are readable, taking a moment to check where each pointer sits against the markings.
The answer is 2,49
